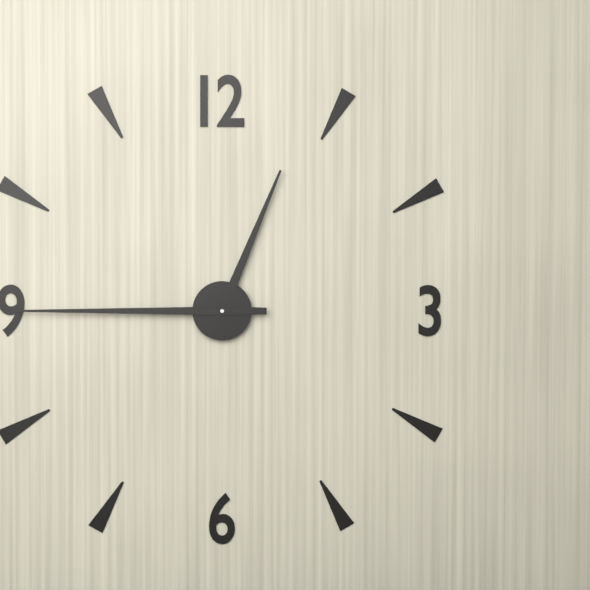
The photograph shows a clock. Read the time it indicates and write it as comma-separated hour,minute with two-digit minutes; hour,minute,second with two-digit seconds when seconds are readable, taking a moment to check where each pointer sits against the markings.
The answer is 12,45
